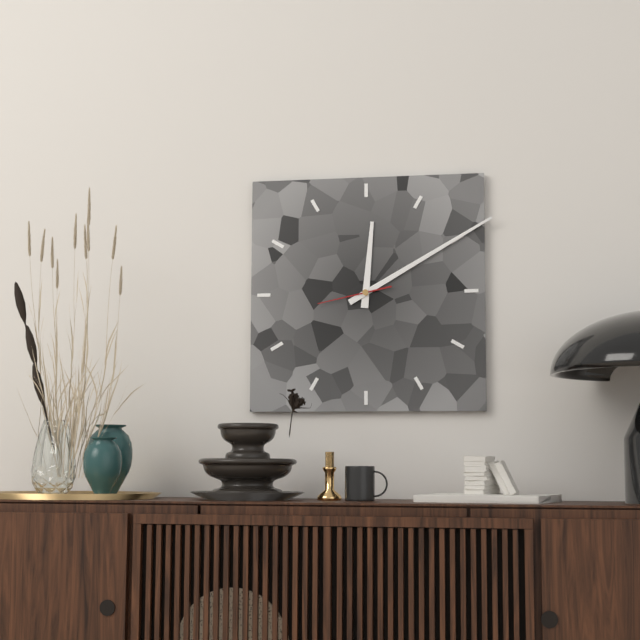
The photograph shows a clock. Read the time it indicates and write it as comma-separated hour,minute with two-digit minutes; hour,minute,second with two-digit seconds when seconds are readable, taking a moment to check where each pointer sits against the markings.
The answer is 12,10,43
